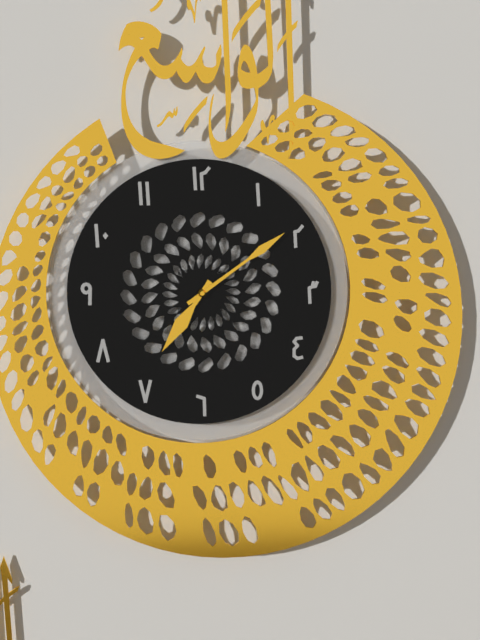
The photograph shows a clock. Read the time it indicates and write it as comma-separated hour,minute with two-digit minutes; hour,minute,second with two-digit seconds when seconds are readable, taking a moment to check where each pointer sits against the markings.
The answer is 7,09
